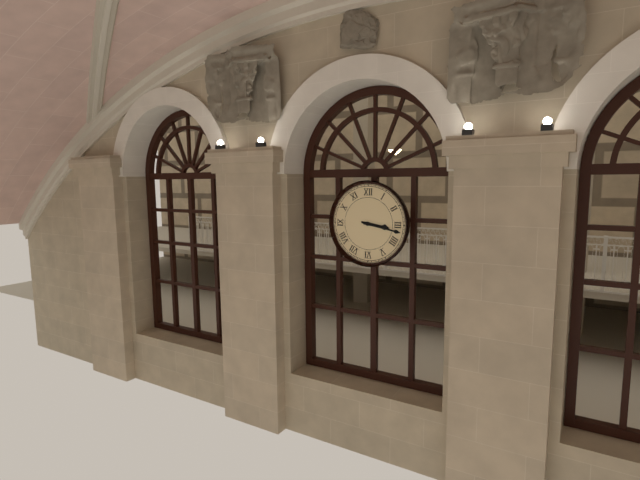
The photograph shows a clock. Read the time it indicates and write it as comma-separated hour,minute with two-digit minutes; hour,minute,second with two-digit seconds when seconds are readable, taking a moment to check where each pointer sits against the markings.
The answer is 3,17
